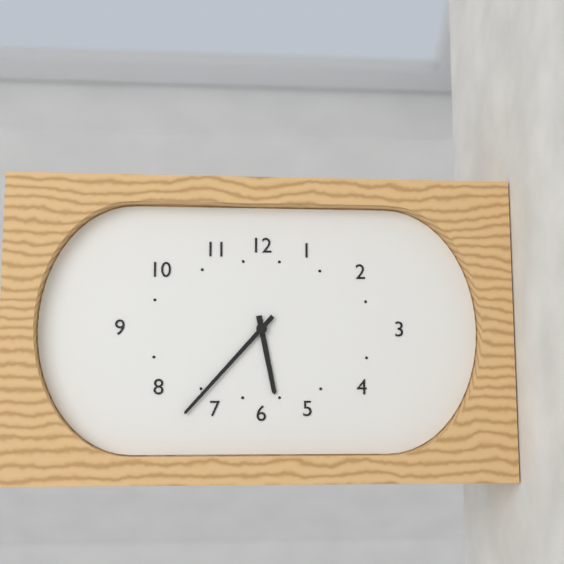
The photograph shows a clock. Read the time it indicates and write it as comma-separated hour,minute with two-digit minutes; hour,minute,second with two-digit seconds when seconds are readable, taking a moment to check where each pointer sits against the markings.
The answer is 5,37
